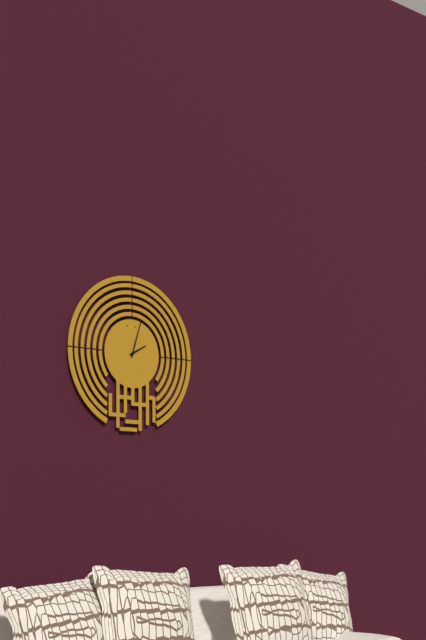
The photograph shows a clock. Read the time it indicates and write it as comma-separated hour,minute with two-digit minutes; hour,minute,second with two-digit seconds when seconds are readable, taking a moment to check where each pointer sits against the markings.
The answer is 2,03
